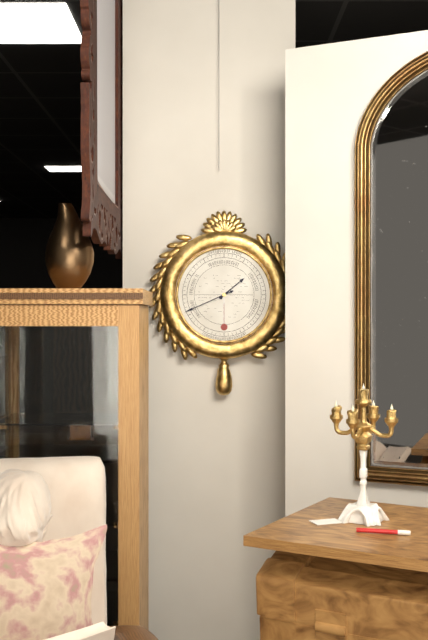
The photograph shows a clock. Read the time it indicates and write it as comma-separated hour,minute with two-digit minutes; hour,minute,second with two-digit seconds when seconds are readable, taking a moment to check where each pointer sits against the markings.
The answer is 1,41
